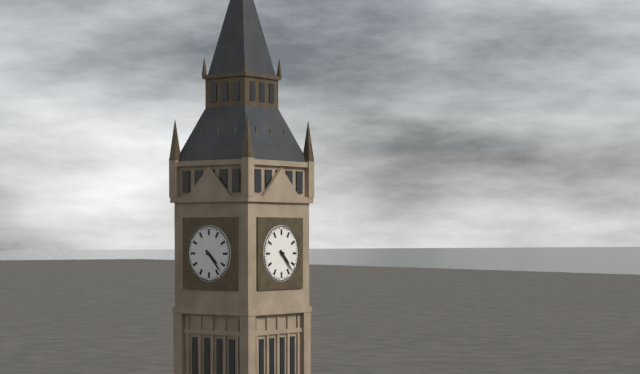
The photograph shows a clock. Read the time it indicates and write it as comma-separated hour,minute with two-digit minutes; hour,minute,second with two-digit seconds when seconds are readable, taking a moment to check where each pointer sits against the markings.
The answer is 4,23
